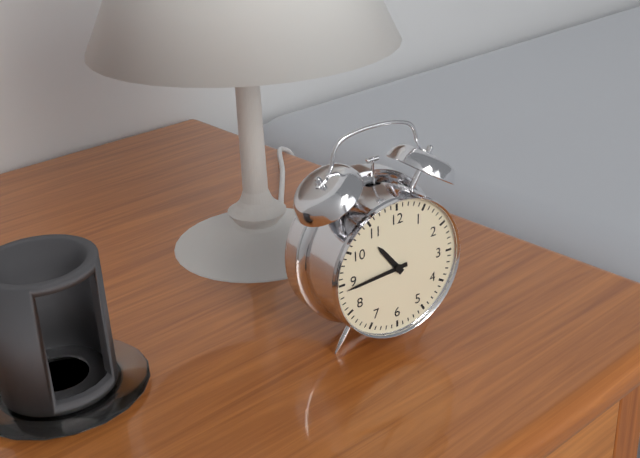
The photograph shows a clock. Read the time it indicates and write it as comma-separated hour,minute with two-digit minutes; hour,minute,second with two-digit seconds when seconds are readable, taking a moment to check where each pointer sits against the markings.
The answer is 10,44
